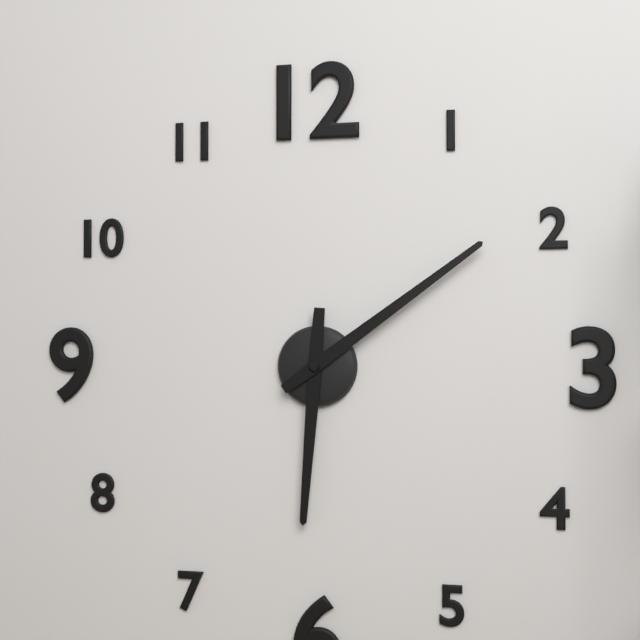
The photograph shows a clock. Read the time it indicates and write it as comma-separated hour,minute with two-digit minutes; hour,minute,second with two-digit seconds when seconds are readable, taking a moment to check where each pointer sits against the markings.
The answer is 6,09
